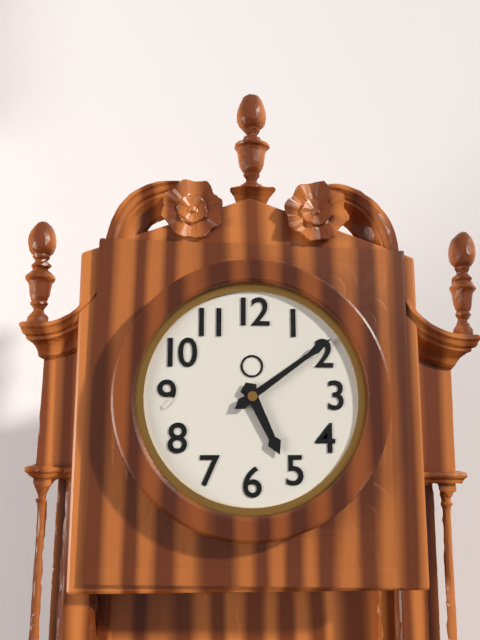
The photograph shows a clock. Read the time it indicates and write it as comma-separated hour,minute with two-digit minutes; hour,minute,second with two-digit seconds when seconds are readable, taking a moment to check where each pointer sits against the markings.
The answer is 5,09
